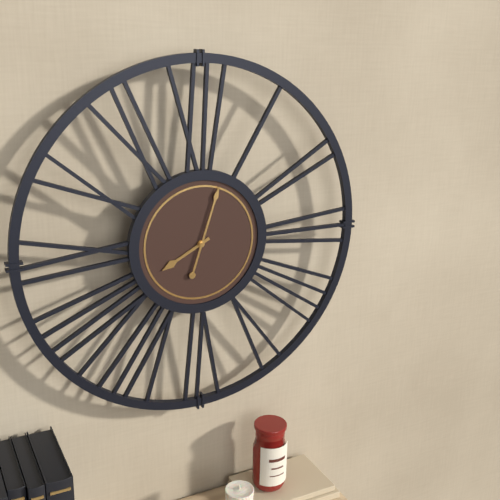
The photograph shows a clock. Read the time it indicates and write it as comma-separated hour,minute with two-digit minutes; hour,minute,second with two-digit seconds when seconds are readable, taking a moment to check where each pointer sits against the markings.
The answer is 8,03
